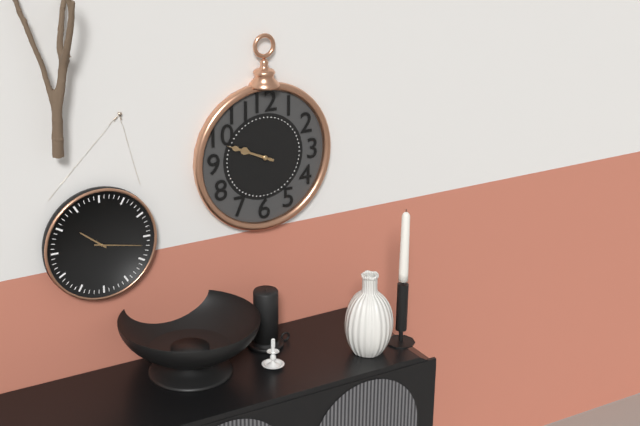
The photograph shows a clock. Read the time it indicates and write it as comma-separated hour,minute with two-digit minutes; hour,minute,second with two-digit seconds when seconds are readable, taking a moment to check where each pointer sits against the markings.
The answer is 9,49
